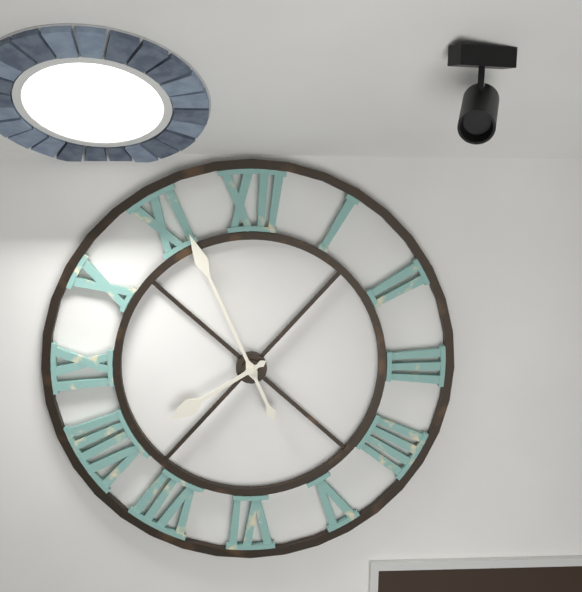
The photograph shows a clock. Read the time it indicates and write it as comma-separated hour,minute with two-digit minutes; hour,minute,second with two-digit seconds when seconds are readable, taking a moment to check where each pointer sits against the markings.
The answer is 7,56
